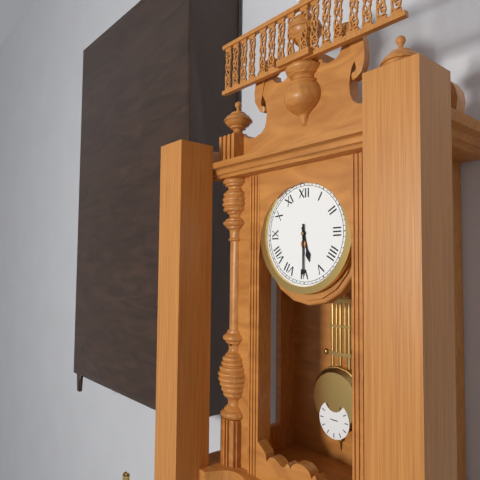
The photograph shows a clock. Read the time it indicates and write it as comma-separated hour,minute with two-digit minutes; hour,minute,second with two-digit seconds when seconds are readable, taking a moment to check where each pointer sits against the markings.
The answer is 5,30
